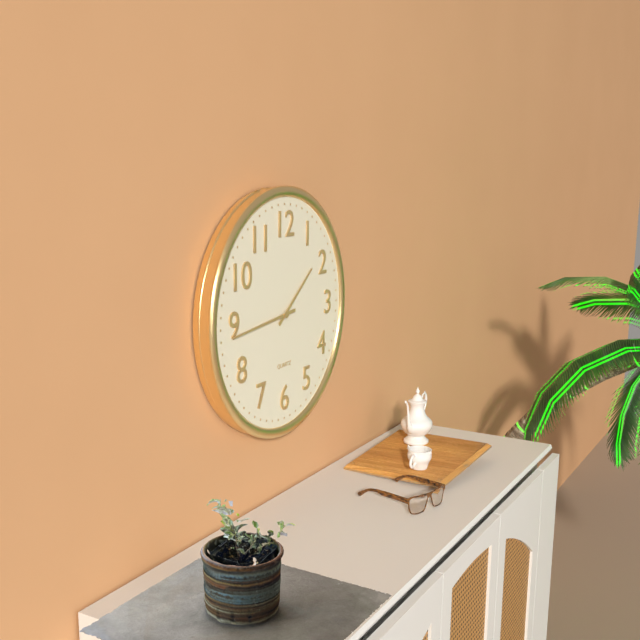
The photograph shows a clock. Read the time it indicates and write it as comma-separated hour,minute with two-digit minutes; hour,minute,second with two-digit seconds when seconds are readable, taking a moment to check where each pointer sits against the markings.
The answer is 1,44
